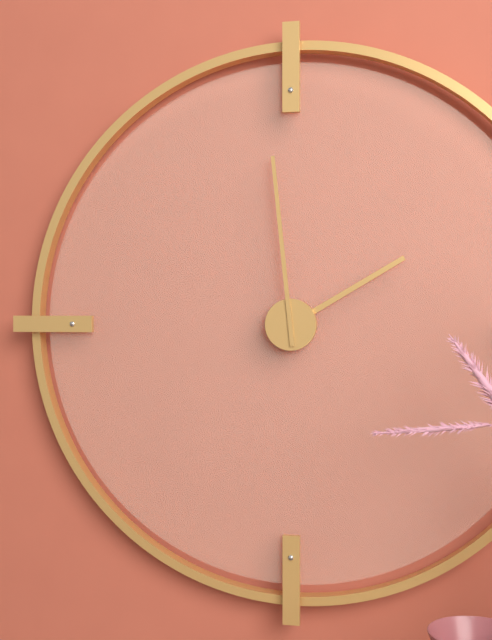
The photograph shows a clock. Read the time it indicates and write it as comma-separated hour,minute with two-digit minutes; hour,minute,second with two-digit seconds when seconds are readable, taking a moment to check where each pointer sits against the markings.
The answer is 1,59
